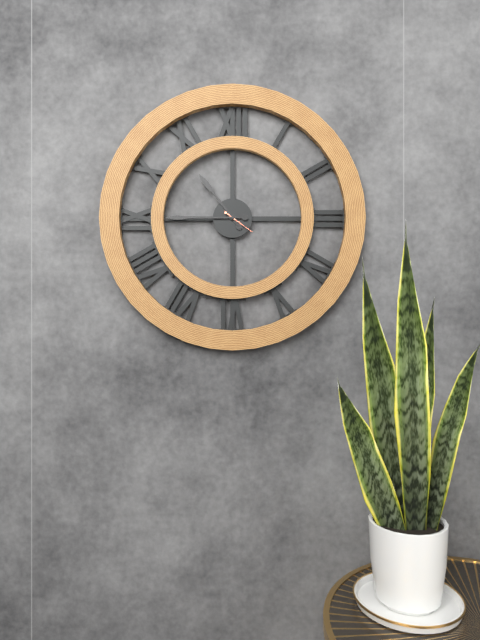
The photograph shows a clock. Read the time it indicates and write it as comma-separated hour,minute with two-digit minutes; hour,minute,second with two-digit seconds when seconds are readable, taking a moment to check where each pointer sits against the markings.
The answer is 10,45
